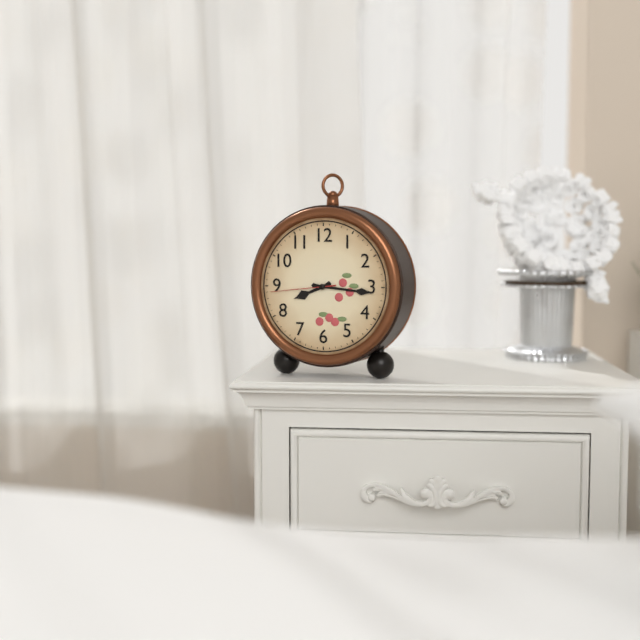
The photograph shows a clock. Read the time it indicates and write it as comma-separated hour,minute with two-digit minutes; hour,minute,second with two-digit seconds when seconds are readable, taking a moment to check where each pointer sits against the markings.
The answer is 8,16,44
